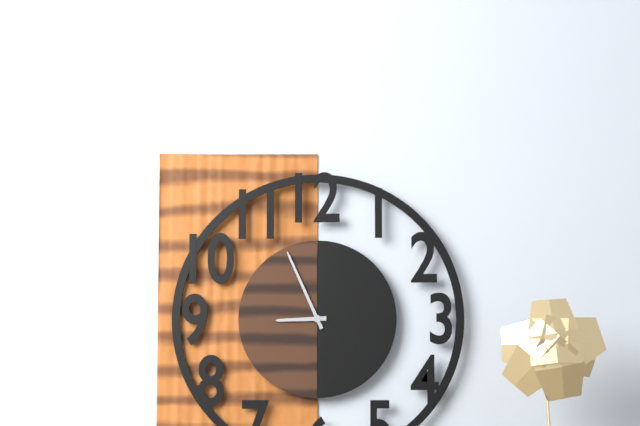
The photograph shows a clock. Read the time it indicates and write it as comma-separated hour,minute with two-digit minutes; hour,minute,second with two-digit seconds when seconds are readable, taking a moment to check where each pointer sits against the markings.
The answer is 8,56
